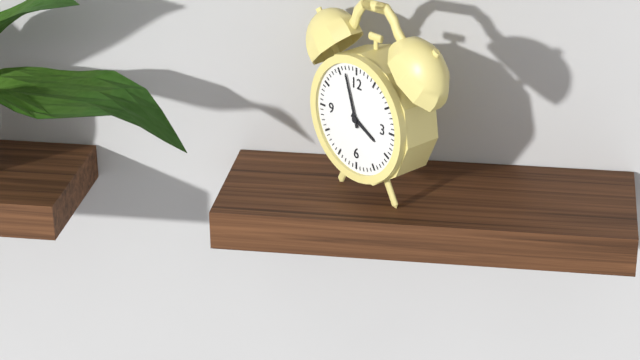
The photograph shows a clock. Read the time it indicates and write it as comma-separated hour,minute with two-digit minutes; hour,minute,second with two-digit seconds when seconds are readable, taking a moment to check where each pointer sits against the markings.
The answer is 3,57
